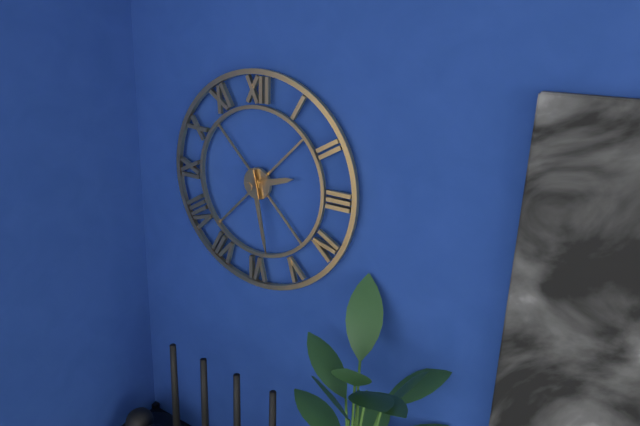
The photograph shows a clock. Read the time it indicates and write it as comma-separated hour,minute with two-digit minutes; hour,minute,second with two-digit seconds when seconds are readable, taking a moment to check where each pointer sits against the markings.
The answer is 2,28
